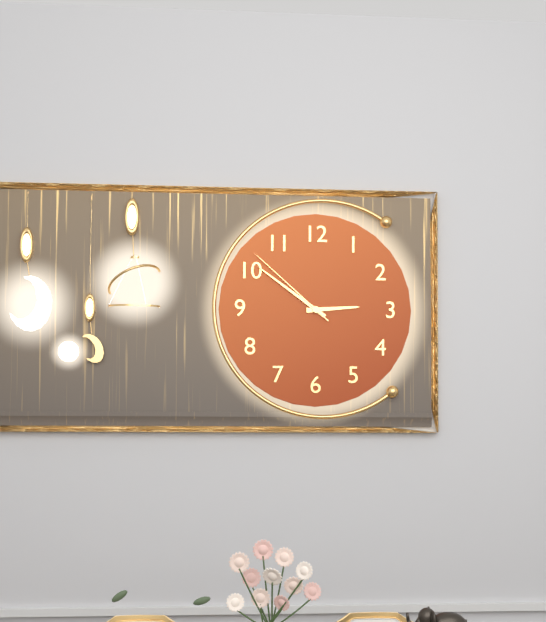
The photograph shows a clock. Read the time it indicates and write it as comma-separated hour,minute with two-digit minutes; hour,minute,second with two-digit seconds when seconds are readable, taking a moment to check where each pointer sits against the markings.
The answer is 2,51,52
